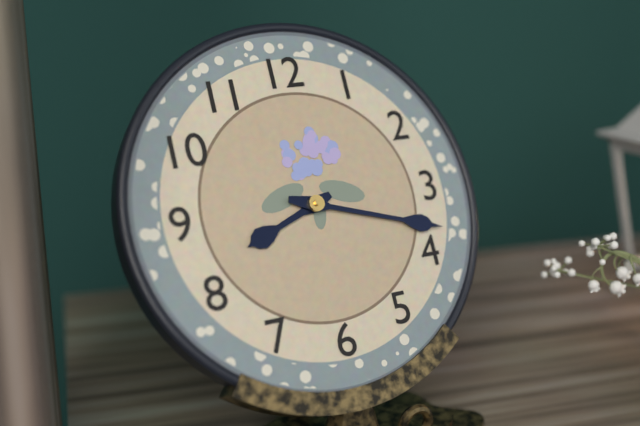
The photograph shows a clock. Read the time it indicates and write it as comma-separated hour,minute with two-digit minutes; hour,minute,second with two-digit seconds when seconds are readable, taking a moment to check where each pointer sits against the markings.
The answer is 8,18
